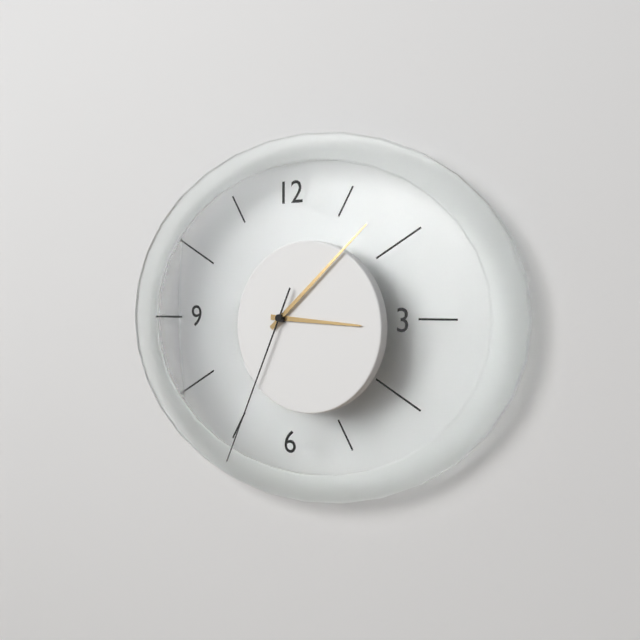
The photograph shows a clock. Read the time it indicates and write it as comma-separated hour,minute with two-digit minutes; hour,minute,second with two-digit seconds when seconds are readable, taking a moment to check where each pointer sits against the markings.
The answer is 3,08,34
